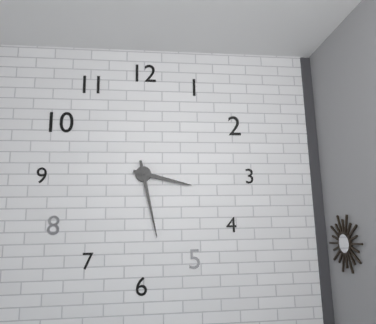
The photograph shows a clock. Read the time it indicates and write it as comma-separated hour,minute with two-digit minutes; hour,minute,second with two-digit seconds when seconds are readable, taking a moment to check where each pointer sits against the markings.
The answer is 3,28
